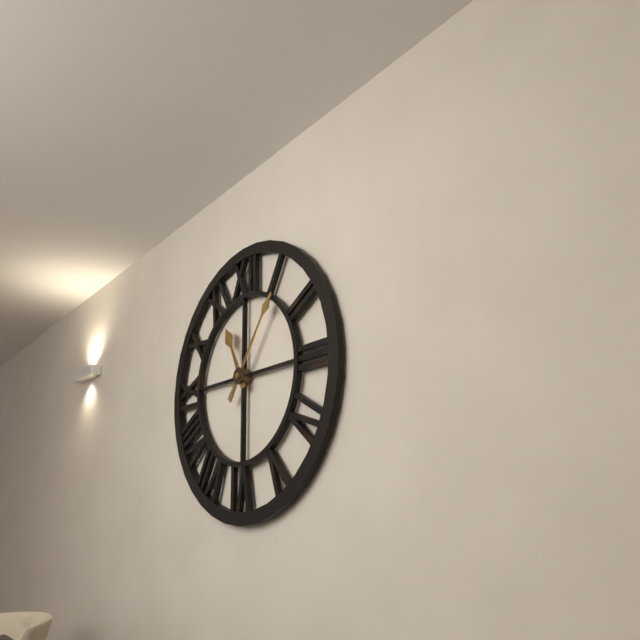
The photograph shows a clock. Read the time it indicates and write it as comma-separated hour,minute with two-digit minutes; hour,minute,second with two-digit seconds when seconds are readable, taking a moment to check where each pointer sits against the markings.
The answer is 11,06
